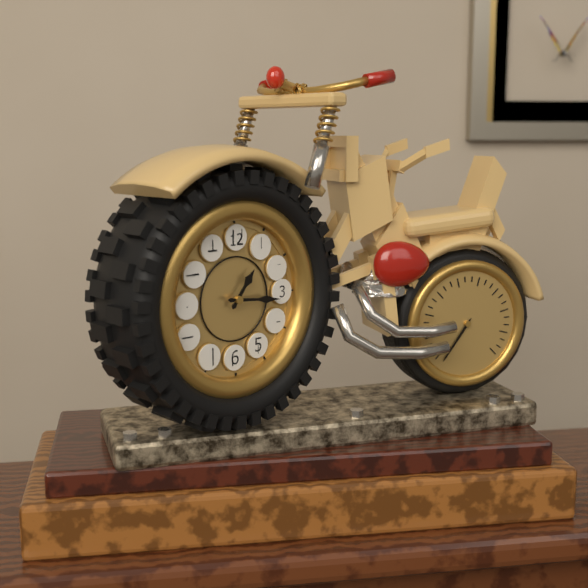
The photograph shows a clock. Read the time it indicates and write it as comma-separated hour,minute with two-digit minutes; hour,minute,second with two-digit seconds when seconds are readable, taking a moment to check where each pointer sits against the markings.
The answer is 1,16
